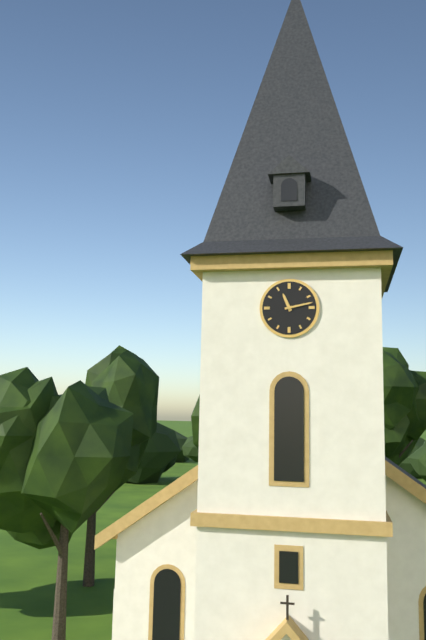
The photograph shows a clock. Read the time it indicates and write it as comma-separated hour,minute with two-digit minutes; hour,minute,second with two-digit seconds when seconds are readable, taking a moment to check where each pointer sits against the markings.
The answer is 11,13
